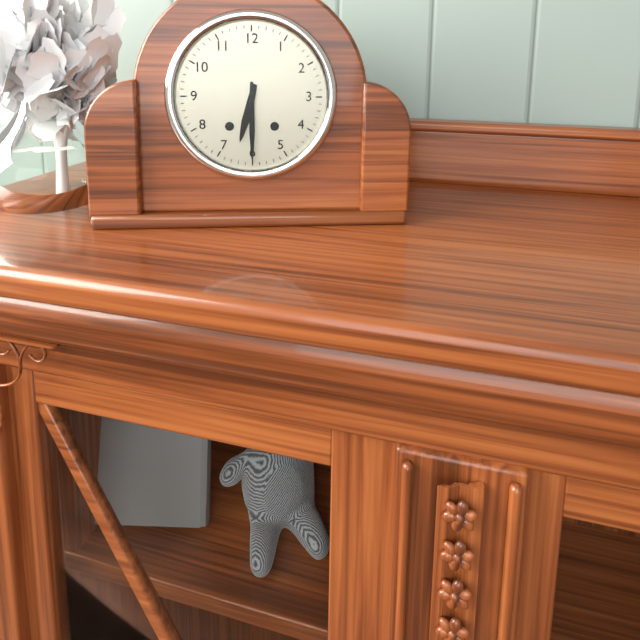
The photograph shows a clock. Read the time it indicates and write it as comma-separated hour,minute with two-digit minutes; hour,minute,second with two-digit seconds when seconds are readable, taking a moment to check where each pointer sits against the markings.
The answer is 6,30
